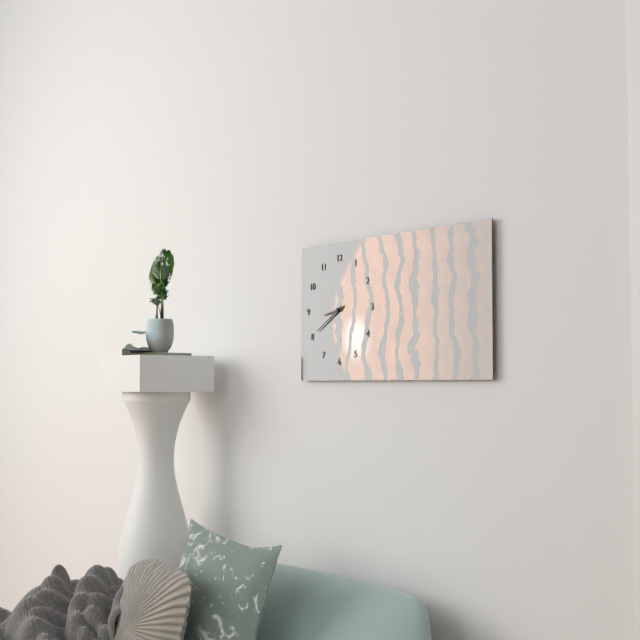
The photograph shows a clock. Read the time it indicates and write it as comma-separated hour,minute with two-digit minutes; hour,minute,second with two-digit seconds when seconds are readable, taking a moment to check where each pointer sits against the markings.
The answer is 8,40
